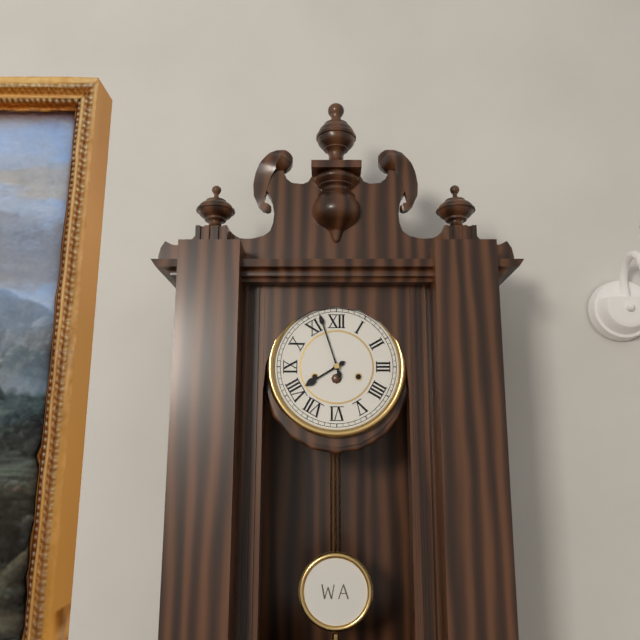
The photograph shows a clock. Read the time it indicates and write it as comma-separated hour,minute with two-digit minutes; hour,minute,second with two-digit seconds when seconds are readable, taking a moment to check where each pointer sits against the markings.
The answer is 7,57
